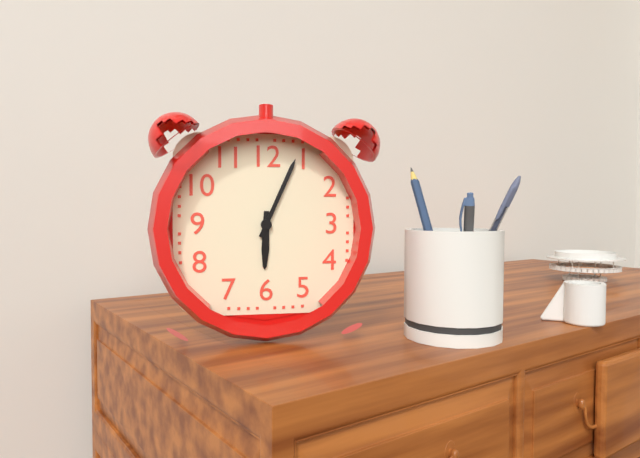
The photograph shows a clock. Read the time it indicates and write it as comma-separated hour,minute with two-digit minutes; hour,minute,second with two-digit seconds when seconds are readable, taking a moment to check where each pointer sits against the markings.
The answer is 6,04
